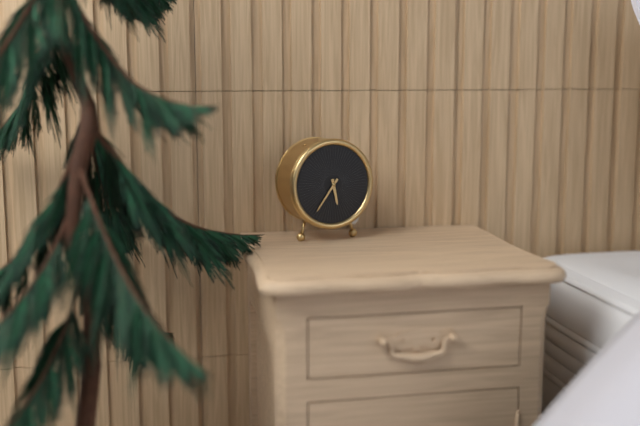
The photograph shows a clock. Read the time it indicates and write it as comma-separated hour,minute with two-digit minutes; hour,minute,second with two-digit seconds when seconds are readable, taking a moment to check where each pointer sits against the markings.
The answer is 5,36
